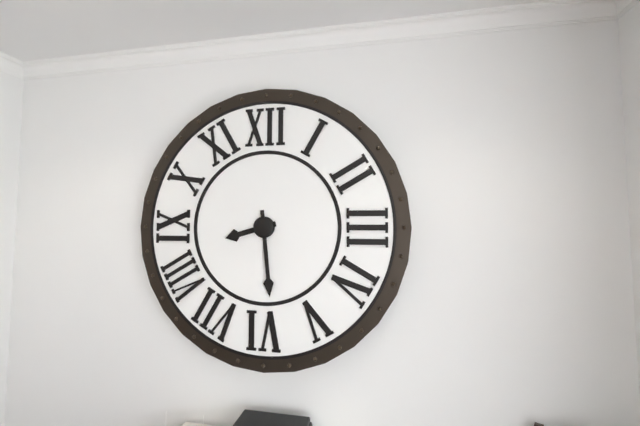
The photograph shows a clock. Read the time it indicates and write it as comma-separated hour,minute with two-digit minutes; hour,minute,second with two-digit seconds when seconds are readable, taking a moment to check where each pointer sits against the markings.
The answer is 8,29
